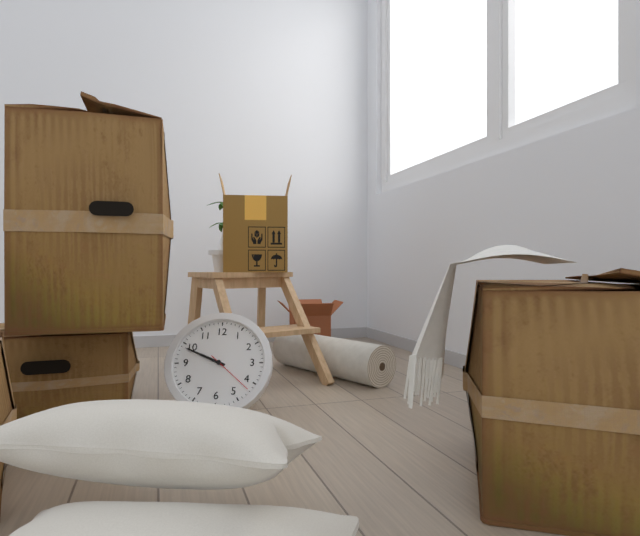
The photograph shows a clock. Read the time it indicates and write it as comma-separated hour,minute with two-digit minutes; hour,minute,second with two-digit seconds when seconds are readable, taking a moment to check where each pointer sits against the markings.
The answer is 9,49
